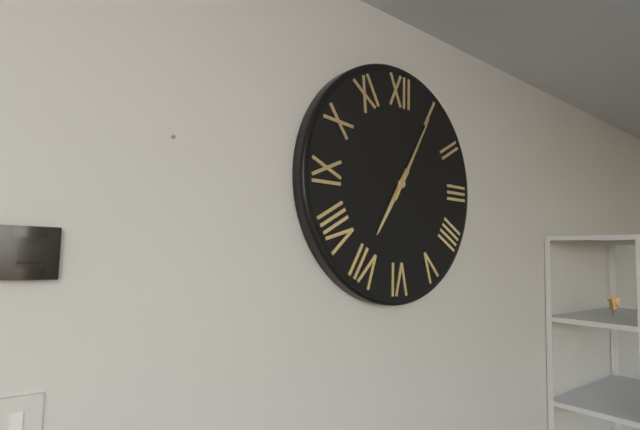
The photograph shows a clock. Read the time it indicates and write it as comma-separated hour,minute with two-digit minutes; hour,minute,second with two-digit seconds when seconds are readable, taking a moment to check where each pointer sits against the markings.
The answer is 7,05
